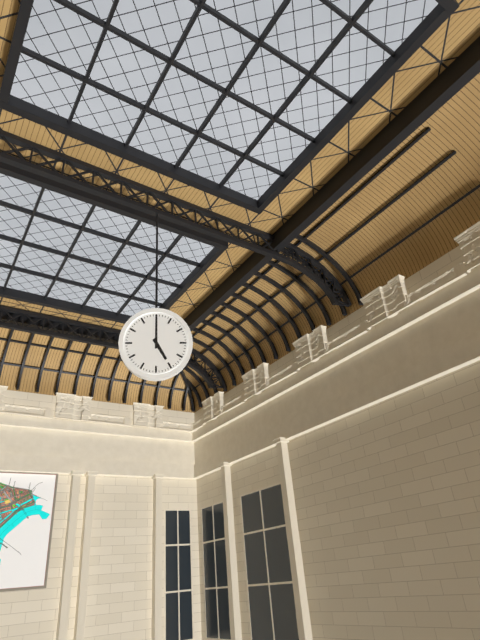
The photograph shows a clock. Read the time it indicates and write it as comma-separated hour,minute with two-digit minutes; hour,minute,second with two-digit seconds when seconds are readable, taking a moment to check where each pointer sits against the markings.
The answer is 5,00
